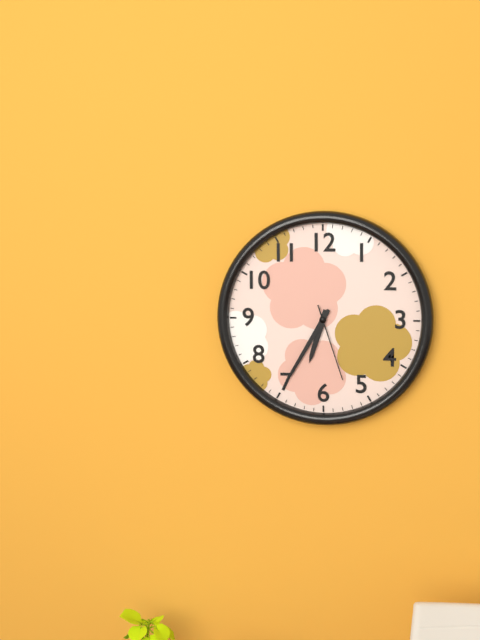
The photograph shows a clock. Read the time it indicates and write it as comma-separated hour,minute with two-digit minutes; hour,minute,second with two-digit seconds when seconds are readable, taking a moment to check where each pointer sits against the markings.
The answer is 6,35,27
